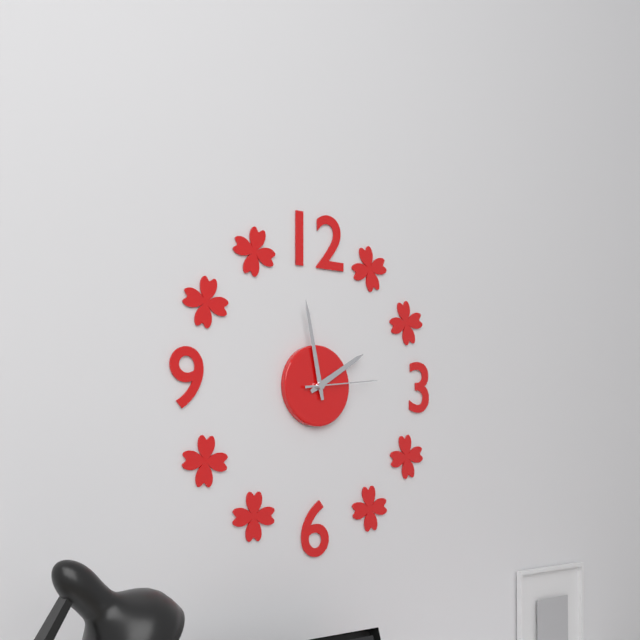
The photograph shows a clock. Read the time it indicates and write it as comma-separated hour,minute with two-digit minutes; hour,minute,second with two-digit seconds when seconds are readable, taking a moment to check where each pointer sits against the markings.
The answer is 1,58,14
